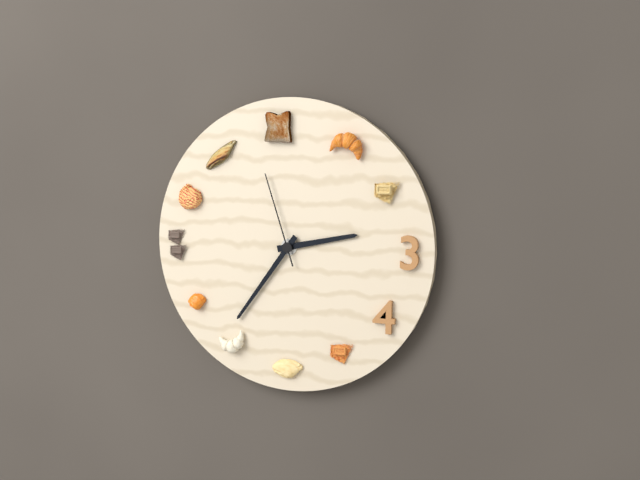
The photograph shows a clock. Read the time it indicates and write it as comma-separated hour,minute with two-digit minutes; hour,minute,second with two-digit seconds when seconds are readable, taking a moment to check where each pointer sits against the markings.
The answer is 2,36,57
